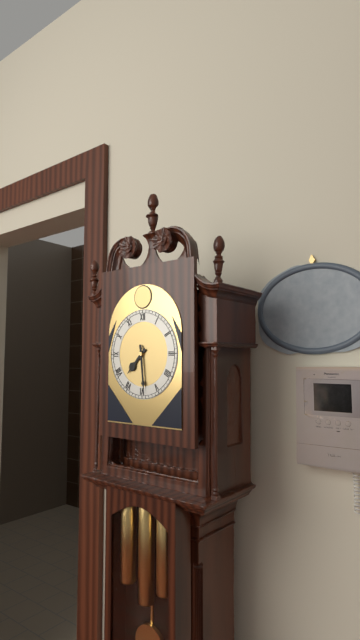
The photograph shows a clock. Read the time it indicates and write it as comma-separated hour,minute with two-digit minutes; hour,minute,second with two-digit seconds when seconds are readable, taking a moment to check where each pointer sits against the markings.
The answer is 7,29
